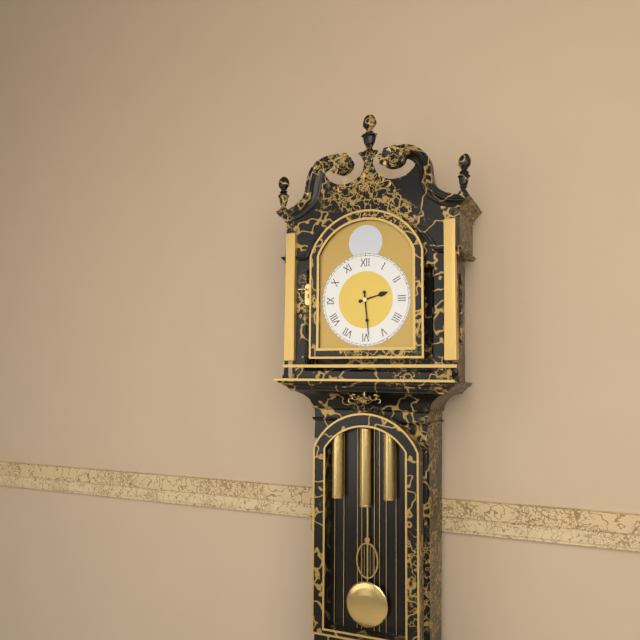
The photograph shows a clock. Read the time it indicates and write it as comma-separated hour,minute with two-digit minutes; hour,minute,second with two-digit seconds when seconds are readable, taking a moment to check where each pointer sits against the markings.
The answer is 2,29
